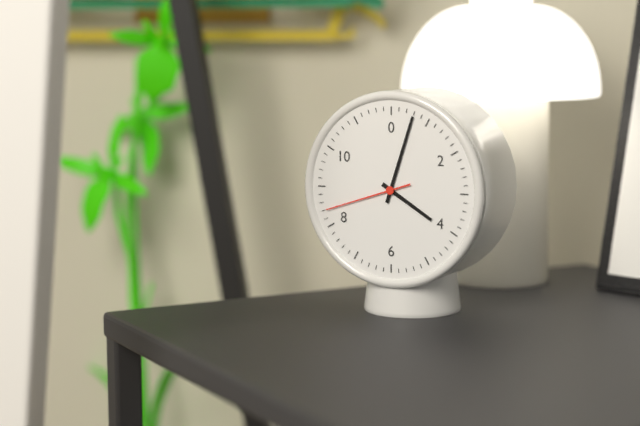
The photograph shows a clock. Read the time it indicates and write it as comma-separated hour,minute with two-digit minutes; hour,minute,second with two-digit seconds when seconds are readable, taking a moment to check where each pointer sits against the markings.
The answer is 4,03,42
